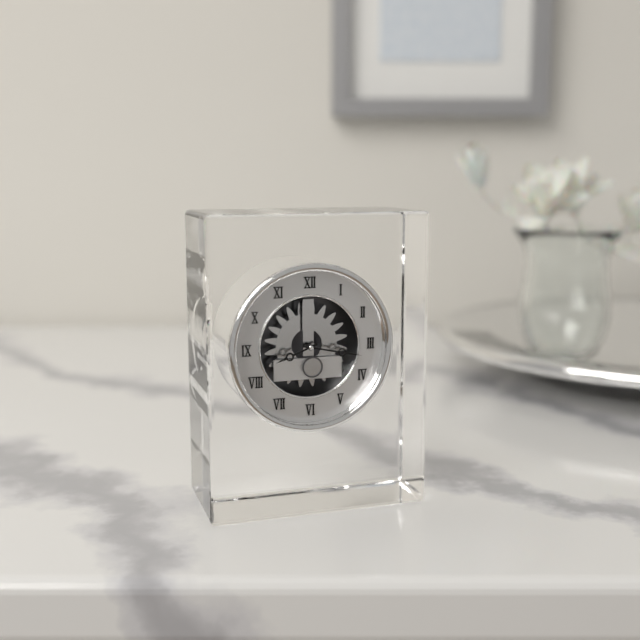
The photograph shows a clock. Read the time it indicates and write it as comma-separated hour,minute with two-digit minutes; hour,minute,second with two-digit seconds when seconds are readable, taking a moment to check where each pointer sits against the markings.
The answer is 8,17
